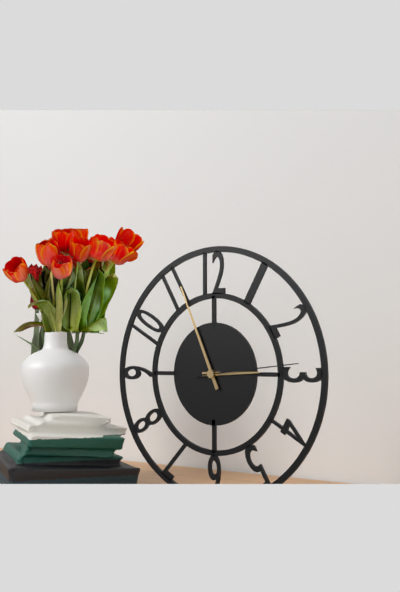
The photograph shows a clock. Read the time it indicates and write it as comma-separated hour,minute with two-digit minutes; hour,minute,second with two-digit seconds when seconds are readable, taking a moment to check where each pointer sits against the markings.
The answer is 2,56,14
